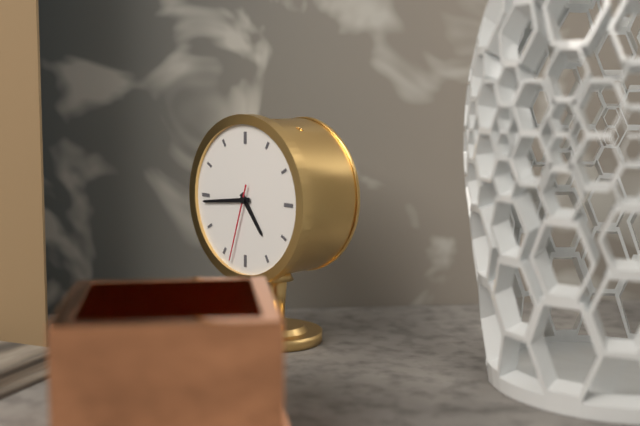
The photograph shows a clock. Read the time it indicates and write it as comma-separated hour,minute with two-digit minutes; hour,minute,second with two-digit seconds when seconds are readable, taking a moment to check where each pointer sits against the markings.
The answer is 4,44,33
